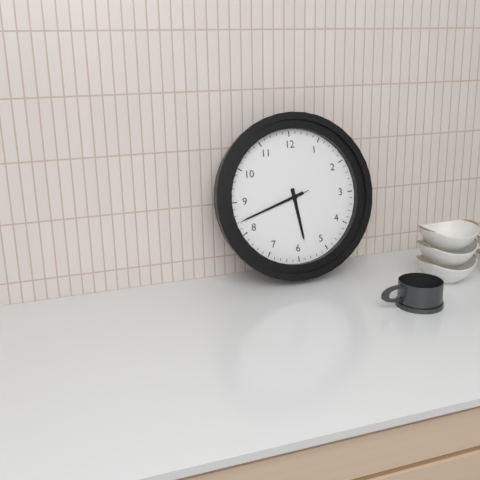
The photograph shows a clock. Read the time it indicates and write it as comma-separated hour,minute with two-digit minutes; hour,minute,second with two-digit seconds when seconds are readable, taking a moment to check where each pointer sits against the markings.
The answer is 5,42,42
